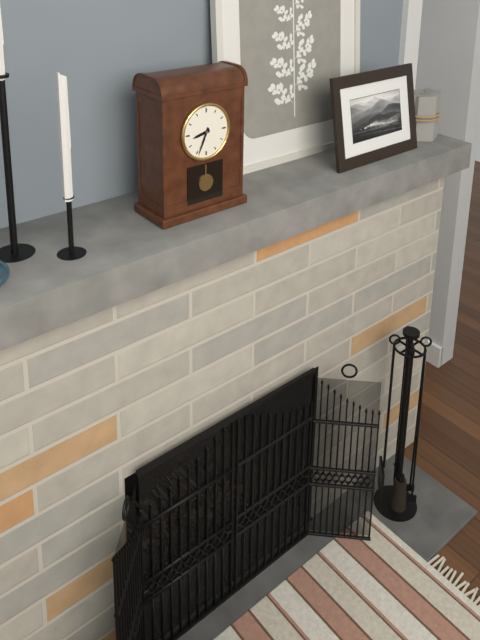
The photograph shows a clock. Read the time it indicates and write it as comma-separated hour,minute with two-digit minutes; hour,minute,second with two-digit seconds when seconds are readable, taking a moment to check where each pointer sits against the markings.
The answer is 8,34
